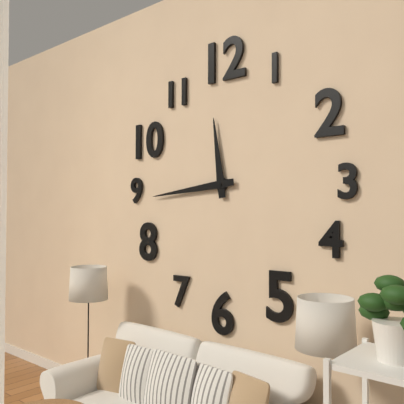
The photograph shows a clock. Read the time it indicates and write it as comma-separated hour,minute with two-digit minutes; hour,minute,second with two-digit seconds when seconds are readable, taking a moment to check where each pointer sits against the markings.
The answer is 11,44
